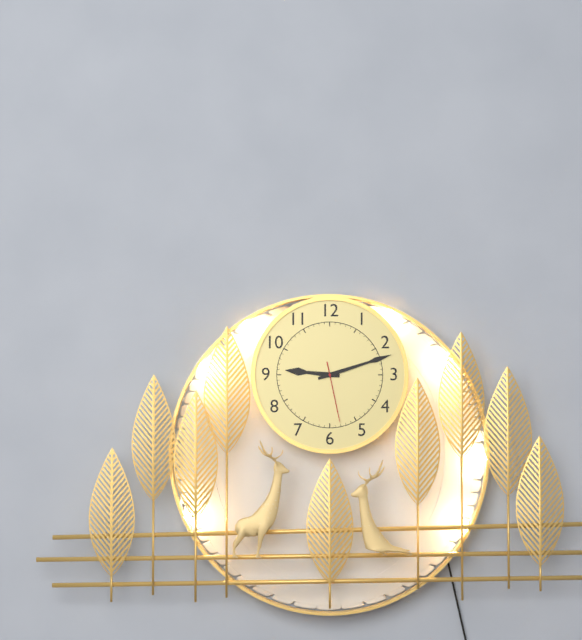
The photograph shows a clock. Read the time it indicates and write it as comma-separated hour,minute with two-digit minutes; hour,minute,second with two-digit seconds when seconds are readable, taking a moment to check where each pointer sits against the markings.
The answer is 9,12,28
